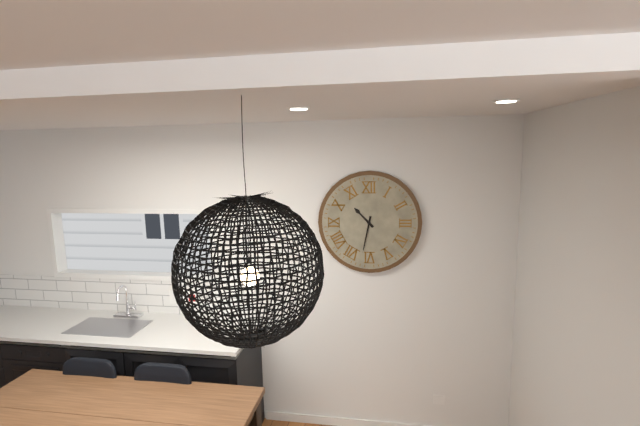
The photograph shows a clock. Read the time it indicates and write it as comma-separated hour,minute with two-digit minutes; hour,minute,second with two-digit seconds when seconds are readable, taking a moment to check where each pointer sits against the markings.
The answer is 10,32
